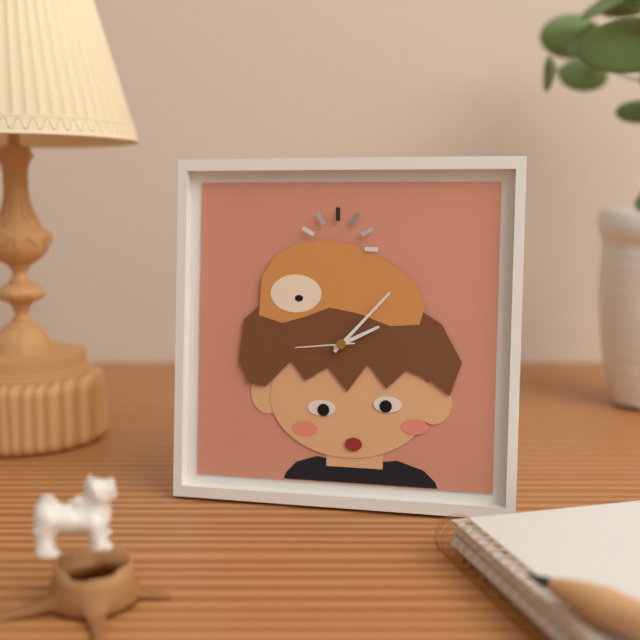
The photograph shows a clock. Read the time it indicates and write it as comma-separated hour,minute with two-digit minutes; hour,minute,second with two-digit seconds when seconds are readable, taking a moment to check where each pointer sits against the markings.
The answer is 2,07,44
